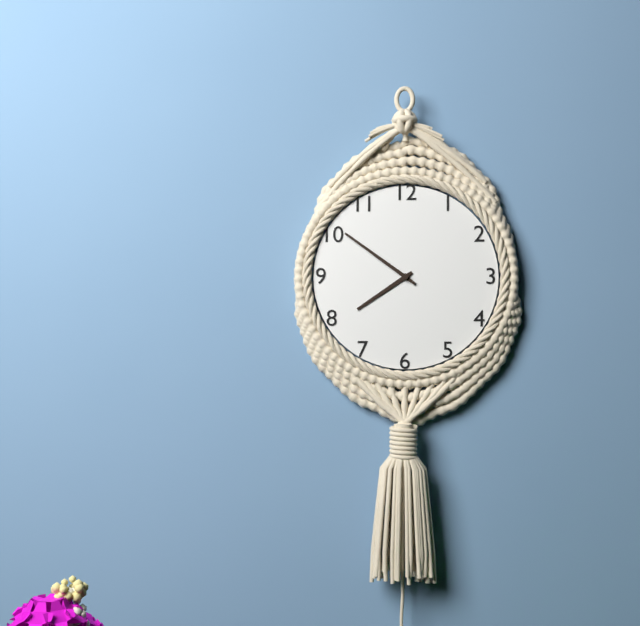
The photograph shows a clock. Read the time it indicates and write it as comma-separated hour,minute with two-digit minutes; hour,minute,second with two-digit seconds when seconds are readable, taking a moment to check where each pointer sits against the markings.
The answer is 7,51
